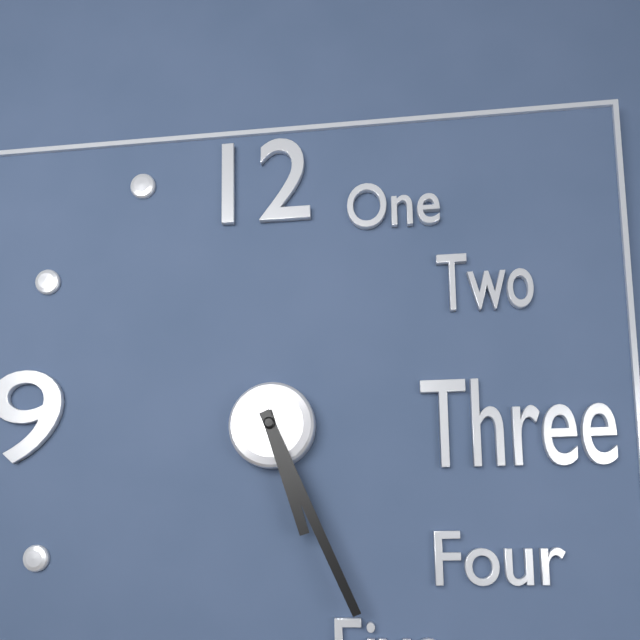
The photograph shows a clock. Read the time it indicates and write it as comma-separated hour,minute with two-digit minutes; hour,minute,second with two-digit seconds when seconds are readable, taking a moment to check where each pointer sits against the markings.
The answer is 5,26
